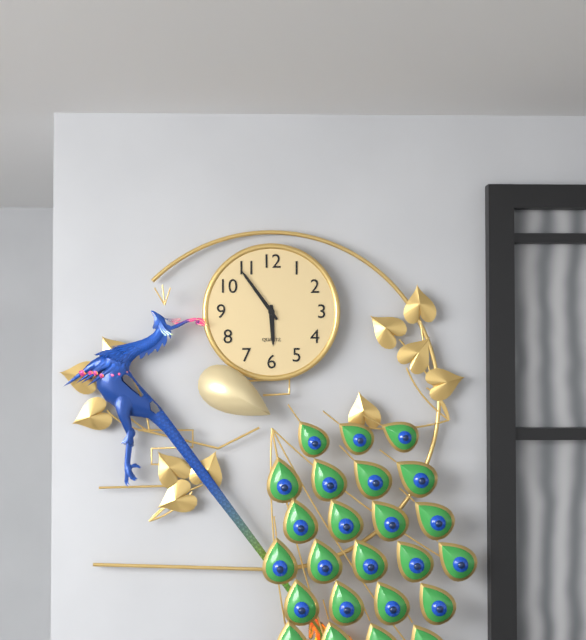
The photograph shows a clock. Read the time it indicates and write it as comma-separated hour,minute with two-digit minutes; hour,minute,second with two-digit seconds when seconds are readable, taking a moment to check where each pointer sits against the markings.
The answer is 5,54
